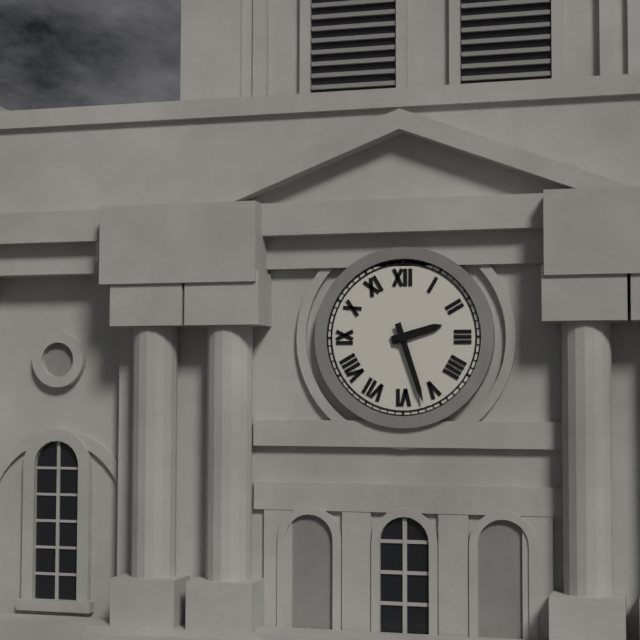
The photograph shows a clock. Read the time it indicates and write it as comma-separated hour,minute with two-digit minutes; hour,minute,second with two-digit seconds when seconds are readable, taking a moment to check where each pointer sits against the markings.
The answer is 2,27
